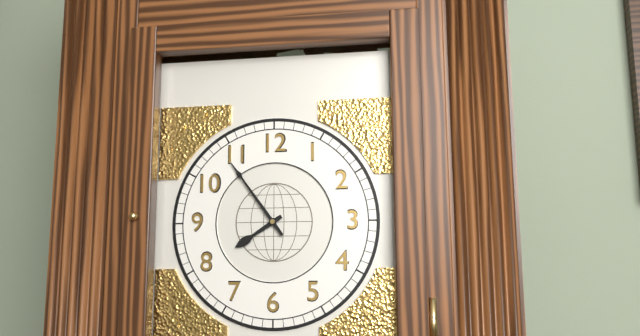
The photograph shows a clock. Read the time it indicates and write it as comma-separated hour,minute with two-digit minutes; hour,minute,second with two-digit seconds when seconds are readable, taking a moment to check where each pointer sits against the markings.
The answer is 7,54
